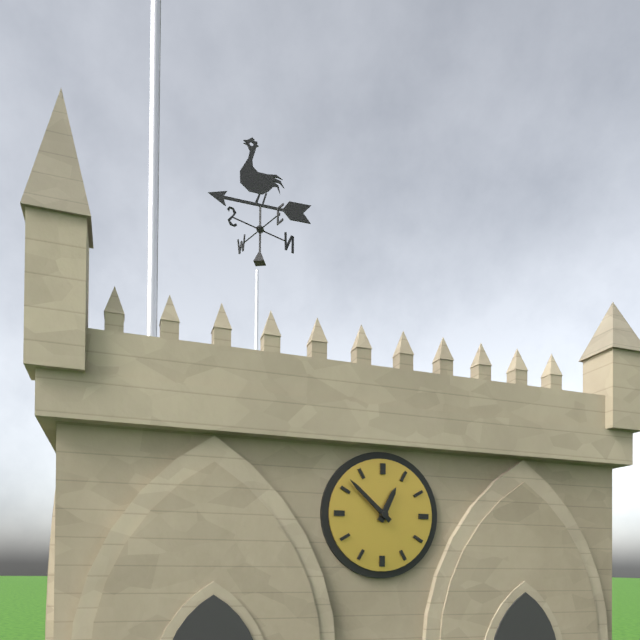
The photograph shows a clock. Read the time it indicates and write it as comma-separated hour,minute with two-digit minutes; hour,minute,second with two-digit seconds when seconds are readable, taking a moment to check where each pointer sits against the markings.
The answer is 12,52
